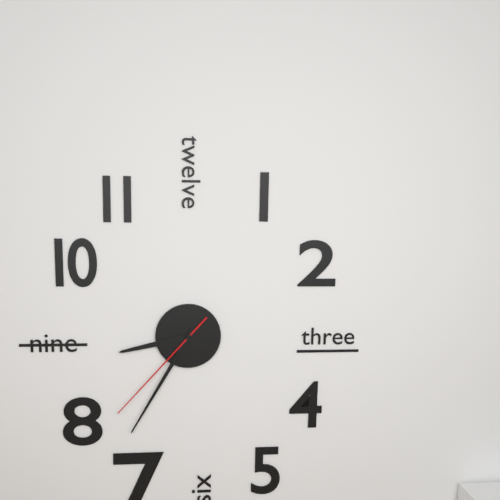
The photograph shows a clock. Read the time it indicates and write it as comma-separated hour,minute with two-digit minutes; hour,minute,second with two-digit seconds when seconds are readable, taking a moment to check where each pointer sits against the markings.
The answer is 8,35,37
